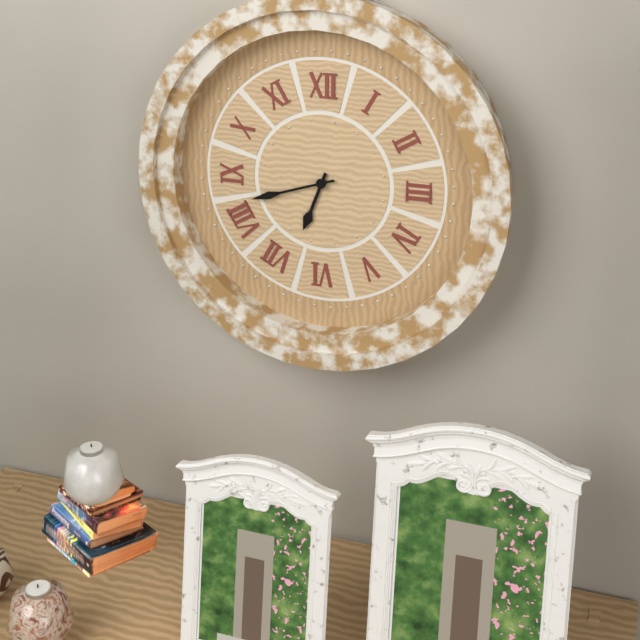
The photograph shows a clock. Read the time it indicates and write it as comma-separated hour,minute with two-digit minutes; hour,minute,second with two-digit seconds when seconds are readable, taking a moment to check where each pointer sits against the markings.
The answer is 6,42
